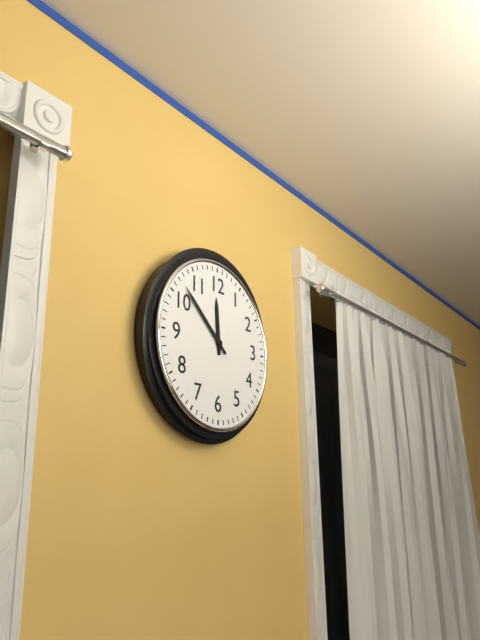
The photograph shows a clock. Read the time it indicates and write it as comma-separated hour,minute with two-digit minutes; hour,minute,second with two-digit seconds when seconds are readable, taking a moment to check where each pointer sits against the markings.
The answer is 11,52
